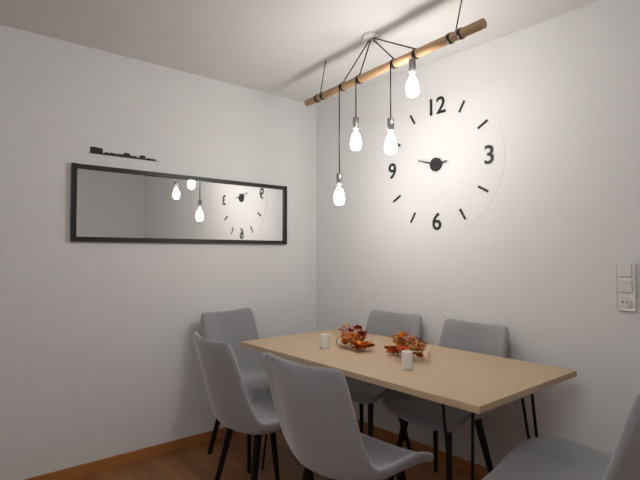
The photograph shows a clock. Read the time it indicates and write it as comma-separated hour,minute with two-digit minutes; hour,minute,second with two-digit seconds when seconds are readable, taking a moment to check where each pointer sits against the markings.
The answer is 2,48
